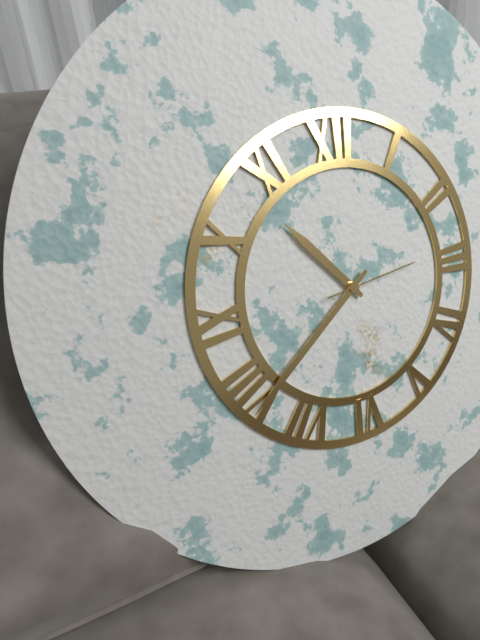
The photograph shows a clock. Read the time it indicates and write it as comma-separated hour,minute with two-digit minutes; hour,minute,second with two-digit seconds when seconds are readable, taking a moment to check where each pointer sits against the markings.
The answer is 10,39,14
